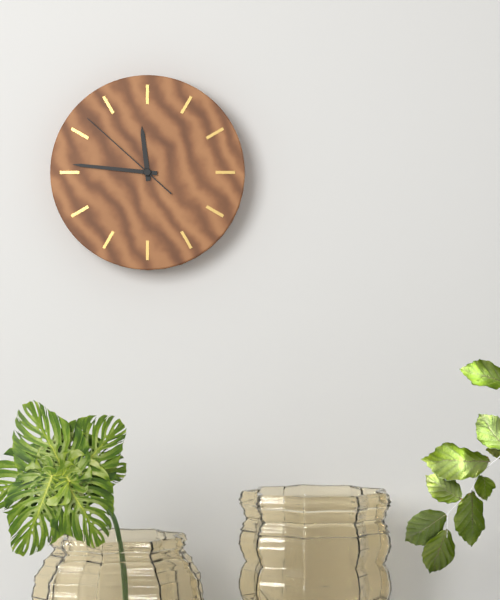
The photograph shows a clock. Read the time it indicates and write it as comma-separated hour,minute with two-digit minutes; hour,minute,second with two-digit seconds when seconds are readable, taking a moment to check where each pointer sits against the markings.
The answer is 11,46,52
